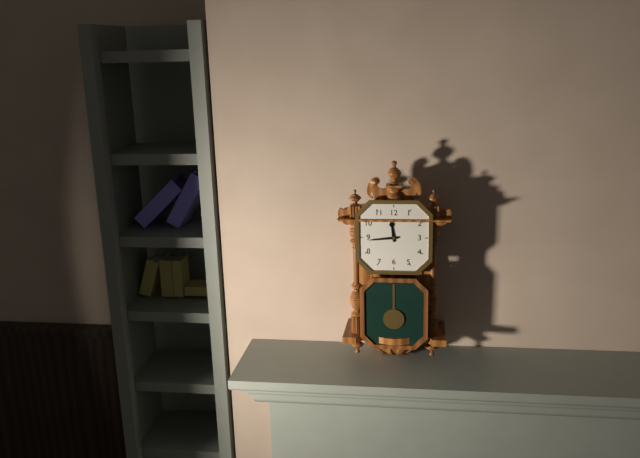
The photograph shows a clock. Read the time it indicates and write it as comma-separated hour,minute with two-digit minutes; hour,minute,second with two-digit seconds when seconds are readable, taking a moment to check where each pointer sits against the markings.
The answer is 11,44
